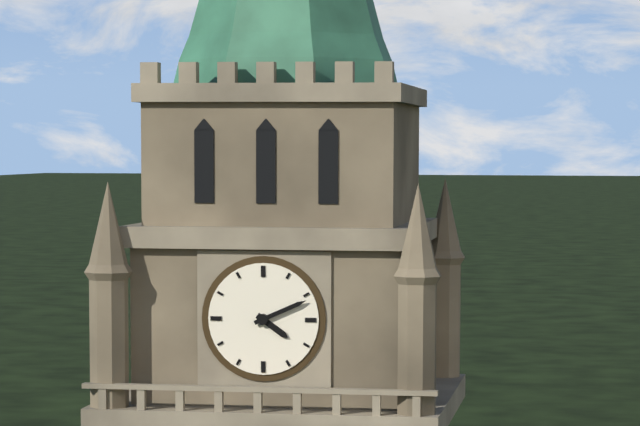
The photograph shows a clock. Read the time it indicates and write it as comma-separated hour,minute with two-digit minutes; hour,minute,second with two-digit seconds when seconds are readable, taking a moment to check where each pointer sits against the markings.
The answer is 4,11
